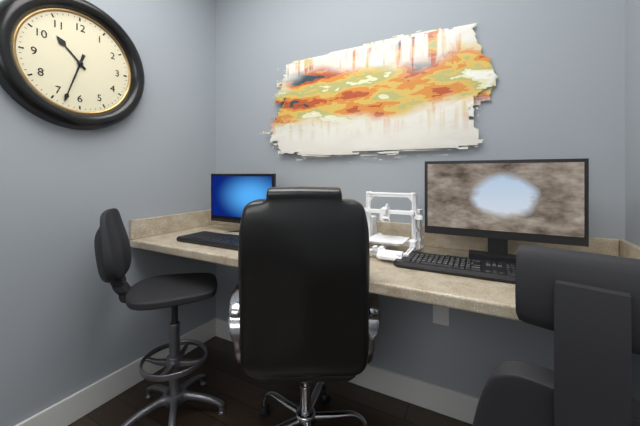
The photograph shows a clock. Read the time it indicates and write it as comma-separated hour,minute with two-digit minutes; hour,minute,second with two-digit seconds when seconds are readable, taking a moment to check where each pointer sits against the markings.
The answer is 10,33
